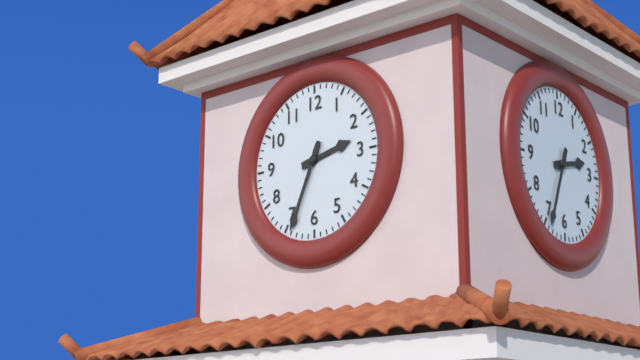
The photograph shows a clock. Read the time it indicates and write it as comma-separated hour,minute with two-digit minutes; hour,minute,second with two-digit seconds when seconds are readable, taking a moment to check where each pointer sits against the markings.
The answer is 2,34
